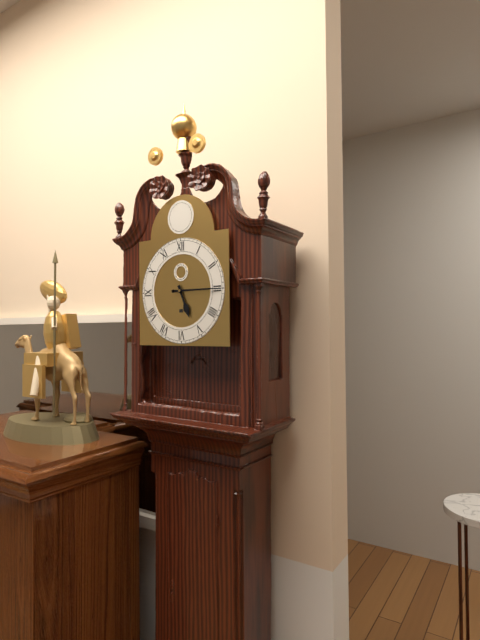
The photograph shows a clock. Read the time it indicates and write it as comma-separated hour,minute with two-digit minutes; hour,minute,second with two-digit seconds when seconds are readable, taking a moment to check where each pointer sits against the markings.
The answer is 5,15
